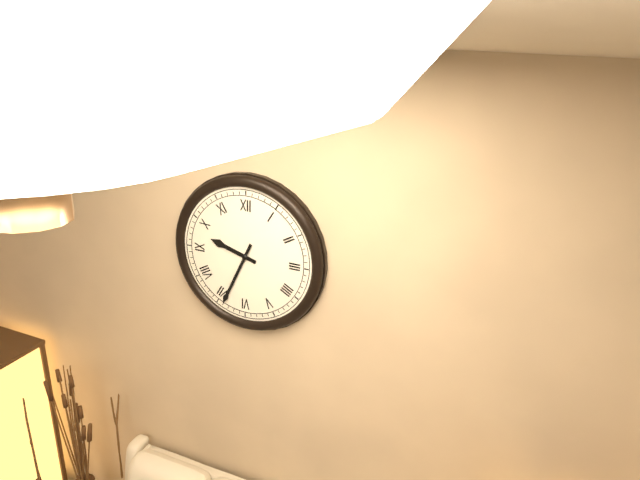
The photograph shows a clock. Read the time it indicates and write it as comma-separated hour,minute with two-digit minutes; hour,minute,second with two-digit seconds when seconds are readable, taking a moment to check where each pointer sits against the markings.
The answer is 9,34
